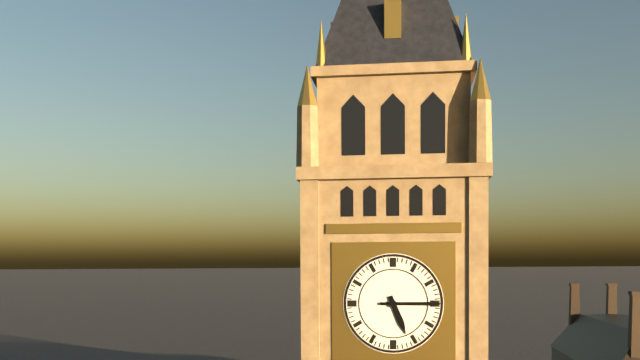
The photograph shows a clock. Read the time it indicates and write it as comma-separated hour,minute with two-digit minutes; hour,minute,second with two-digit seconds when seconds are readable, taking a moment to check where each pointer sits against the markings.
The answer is 5,15
